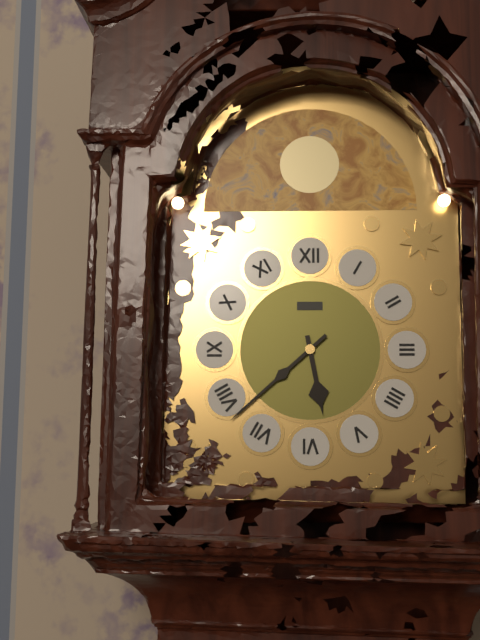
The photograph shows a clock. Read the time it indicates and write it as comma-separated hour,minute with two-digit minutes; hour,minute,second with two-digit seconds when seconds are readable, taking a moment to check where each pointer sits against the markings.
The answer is 5,38
